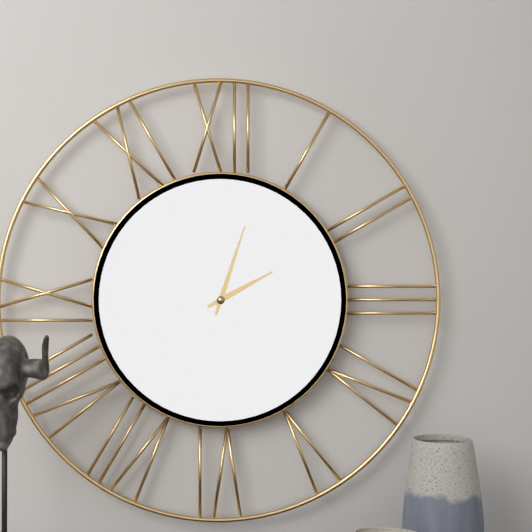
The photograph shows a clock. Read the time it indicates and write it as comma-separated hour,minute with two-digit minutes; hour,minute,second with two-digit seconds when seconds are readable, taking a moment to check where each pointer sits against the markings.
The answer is 2,03
